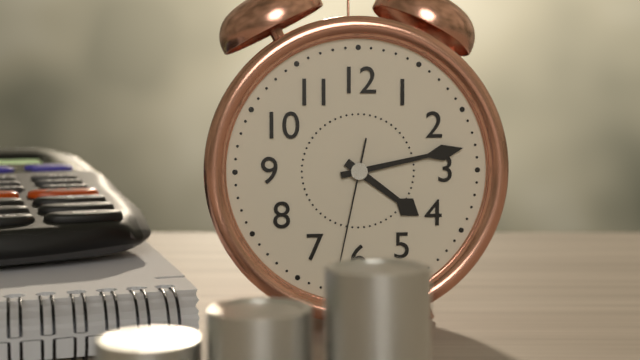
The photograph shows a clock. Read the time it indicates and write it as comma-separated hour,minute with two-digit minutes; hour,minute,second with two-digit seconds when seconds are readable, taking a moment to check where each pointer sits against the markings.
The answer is 4,13,32
